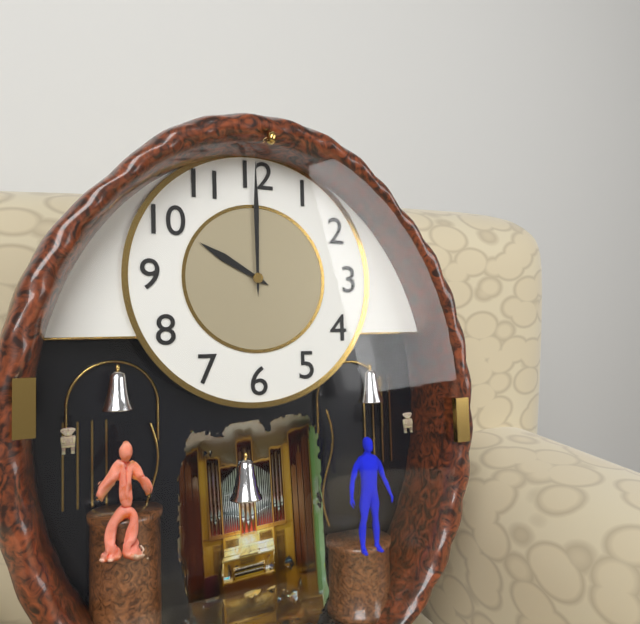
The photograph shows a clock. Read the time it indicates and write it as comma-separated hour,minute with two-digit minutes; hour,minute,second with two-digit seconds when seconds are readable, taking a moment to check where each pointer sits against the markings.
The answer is 10,00
